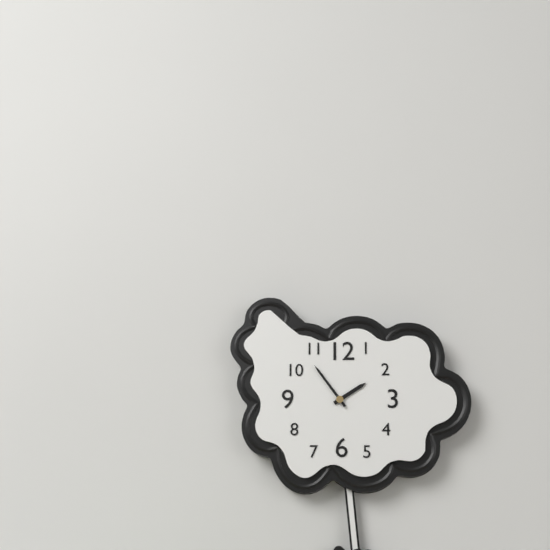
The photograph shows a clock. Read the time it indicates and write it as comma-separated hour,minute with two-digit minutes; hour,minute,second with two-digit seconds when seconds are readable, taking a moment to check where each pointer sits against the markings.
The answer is 1,54
